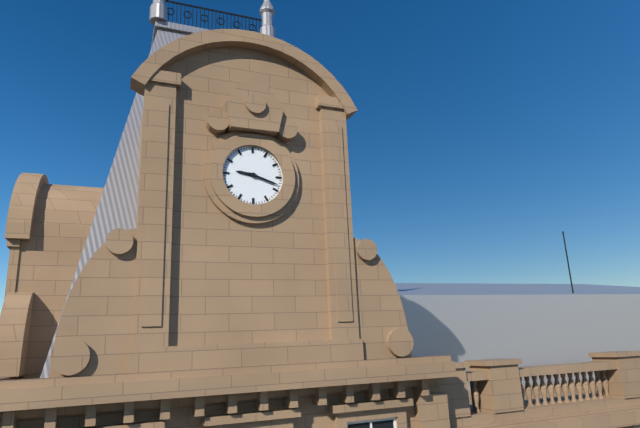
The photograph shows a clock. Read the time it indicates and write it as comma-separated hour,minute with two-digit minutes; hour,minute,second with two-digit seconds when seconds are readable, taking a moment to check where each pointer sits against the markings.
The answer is 9,18
